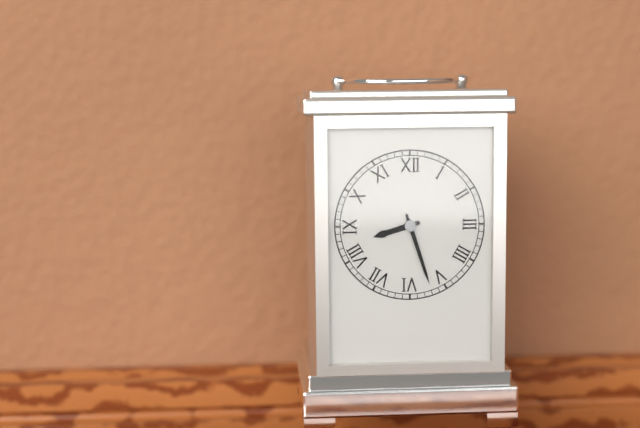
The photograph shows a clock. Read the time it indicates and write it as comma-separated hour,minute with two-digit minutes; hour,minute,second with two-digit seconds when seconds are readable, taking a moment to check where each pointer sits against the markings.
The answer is 8,27
